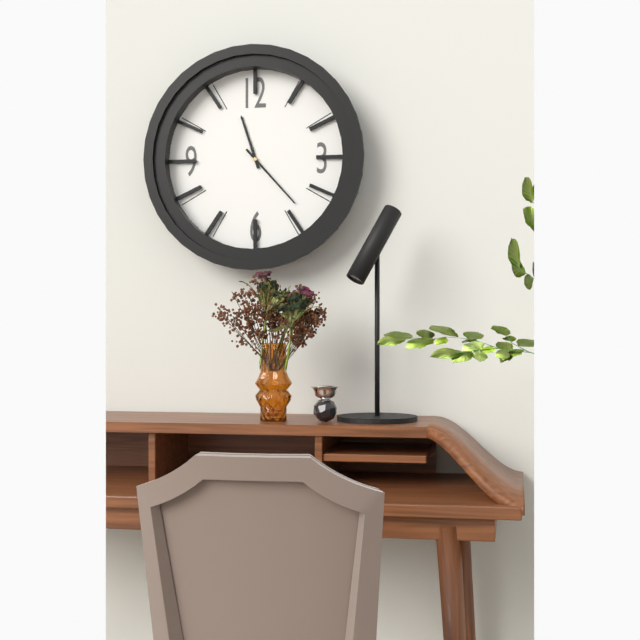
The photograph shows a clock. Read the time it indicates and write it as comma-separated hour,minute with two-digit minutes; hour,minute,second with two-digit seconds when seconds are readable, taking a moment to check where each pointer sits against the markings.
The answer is 11,23
